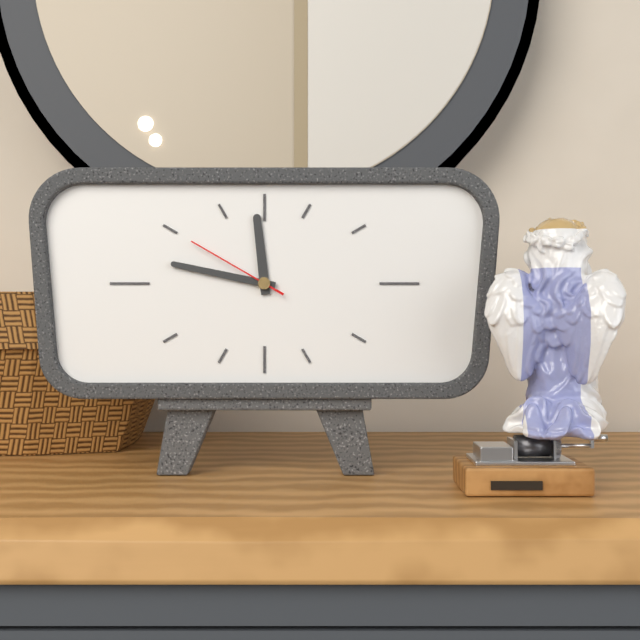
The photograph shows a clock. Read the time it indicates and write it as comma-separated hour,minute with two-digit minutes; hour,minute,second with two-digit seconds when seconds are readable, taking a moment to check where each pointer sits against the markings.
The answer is 11,47,50
